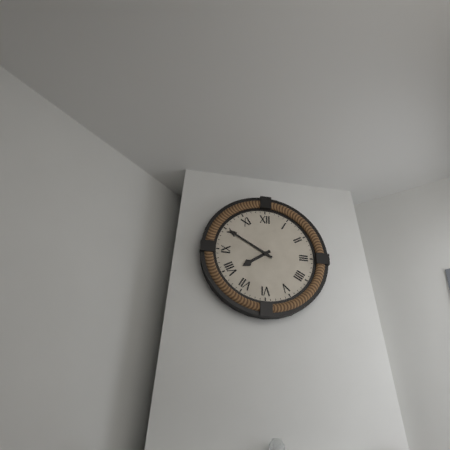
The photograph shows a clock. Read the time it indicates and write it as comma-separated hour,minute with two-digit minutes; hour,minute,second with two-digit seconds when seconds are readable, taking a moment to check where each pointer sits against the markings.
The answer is 7,50
